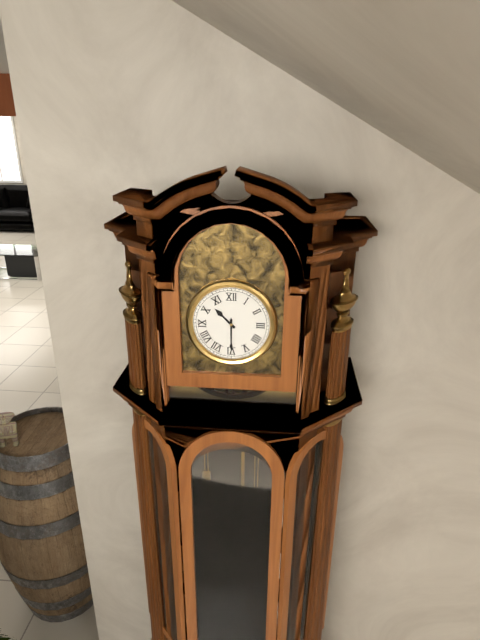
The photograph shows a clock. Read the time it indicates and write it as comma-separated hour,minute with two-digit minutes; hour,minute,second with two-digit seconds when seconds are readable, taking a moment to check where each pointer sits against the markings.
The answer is 10,30
